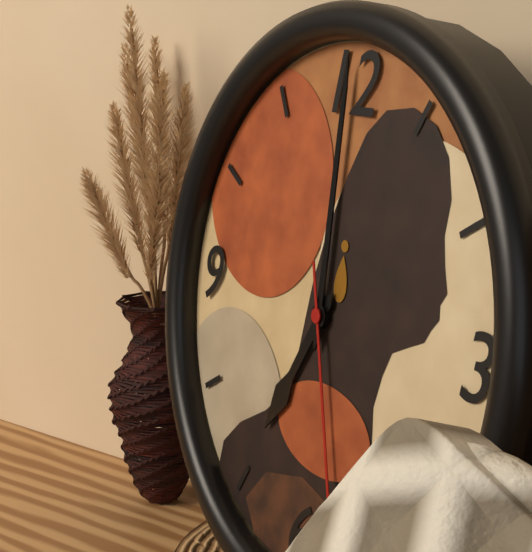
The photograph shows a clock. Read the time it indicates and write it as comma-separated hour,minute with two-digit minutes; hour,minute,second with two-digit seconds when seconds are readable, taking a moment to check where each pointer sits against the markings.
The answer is 7,00,27
